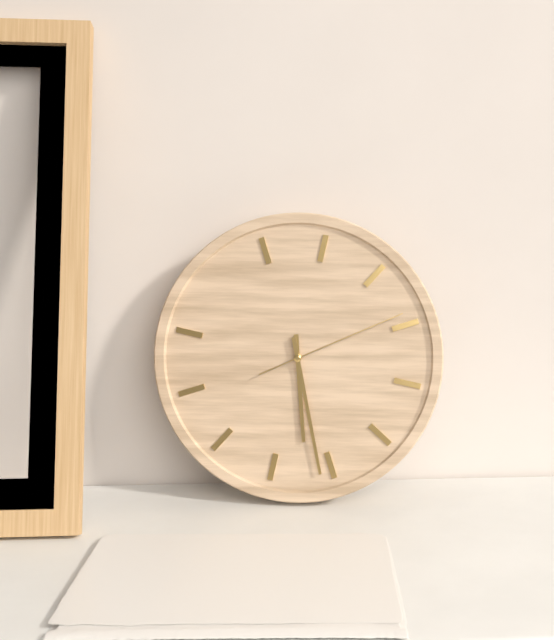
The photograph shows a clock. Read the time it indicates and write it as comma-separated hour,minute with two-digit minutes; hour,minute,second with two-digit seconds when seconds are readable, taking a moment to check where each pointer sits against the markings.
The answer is 5,26,09
